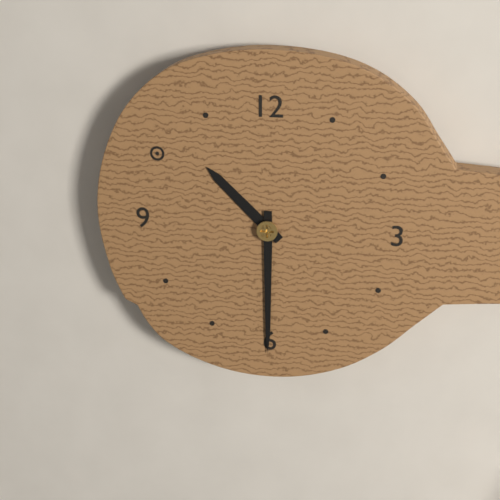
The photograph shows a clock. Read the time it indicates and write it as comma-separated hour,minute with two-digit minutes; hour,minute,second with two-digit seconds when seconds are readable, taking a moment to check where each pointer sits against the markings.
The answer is 10,30
